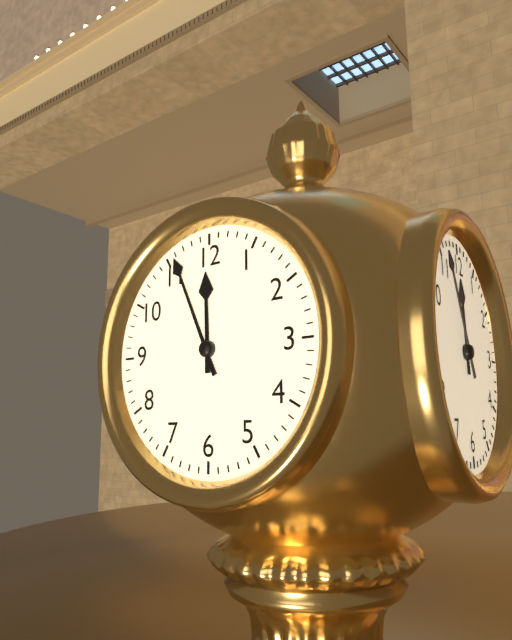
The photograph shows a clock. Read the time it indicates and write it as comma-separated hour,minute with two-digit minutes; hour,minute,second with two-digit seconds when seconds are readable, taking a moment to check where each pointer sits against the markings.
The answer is 11,56
